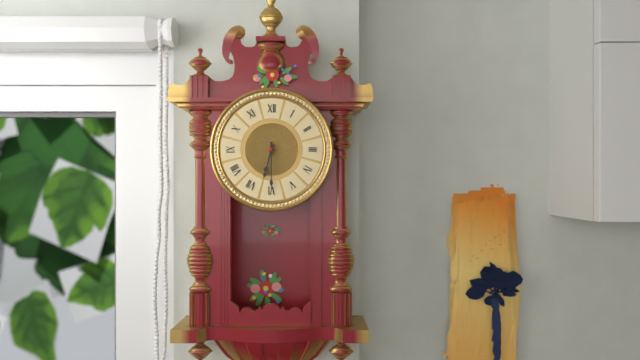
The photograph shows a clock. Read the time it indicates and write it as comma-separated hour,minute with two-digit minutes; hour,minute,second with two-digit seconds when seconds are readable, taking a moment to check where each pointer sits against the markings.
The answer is 6,30
